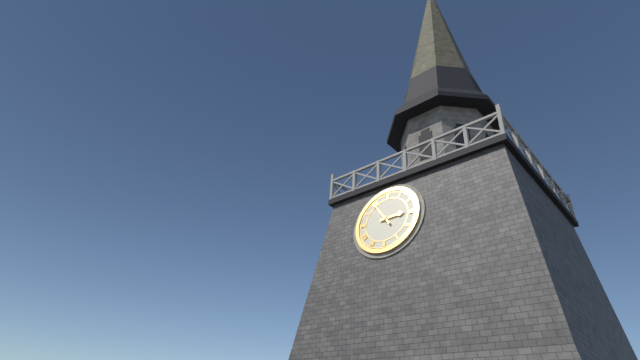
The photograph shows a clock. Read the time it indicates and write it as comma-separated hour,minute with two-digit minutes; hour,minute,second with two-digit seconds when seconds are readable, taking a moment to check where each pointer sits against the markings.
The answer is 2,54
